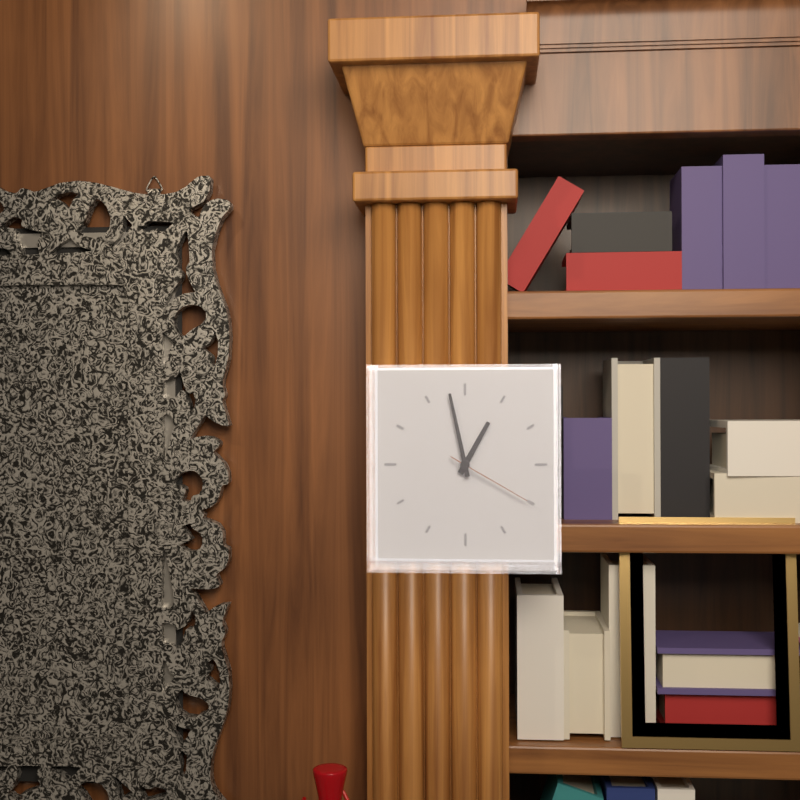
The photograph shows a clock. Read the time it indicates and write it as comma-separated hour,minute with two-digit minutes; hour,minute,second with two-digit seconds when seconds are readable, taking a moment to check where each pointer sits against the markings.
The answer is 12,58,20
